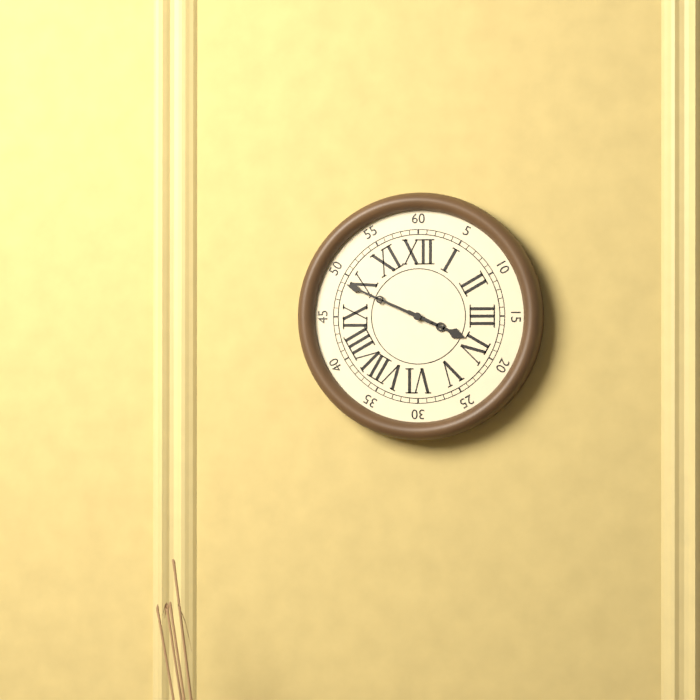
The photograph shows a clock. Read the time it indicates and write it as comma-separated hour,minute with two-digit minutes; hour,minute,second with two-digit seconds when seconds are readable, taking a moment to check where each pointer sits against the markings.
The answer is 3,49
